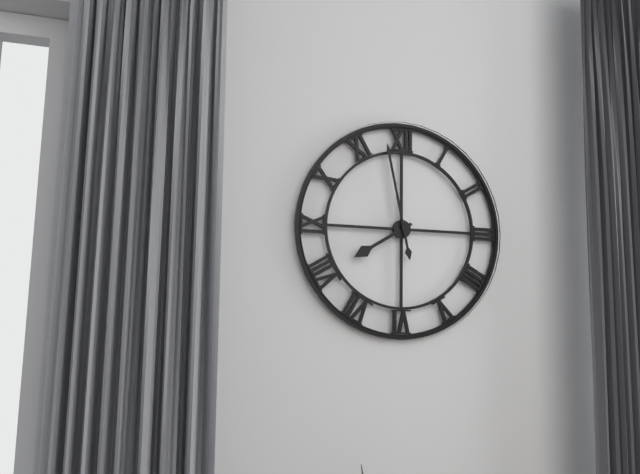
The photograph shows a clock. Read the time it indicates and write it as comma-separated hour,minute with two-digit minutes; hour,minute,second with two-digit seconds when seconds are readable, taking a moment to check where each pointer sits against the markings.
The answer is 7,58
